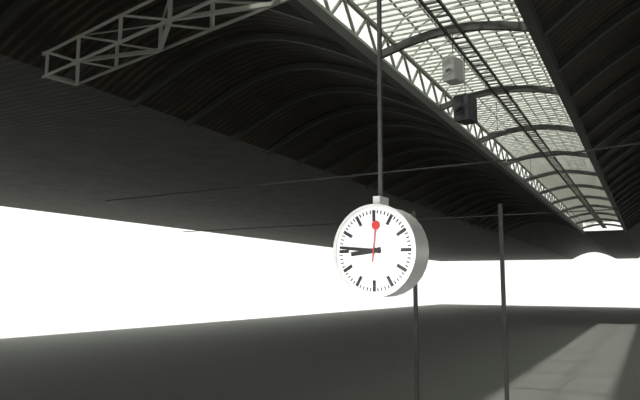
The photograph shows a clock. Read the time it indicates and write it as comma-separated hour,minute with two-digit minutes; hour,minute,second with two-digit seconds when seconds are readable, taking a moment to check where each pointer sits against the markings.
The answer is 8,46
